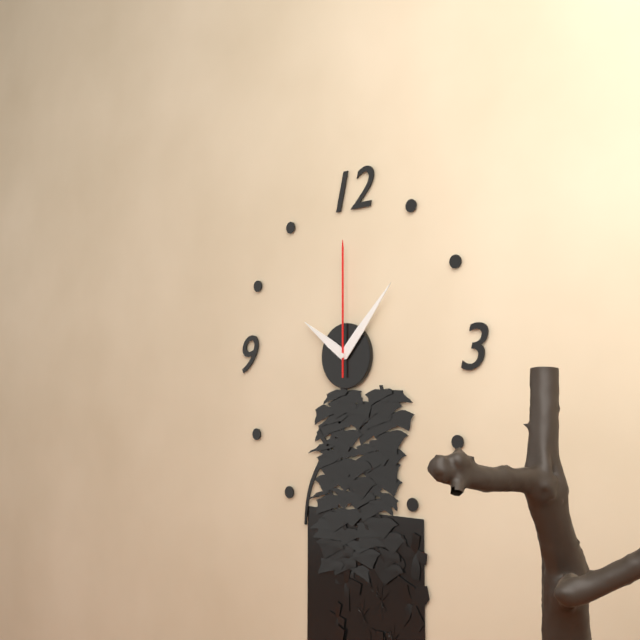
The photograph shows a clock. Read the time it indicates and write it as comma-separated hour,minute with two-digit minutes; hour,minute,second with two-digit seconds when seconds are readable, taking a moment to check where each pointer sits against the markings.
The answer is 10,07,00
